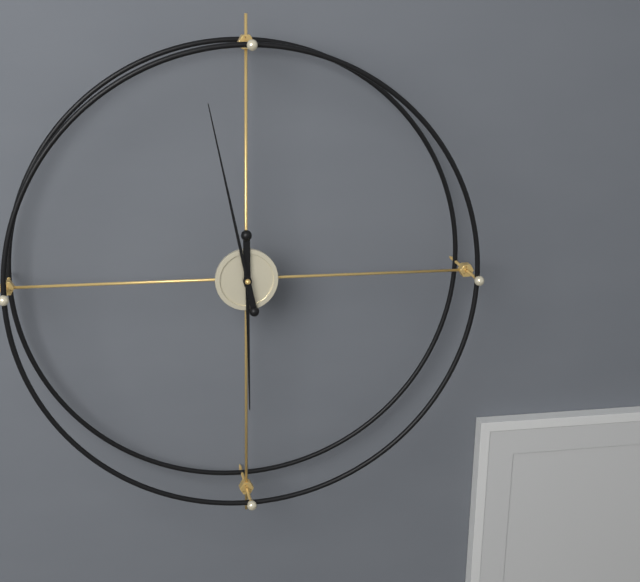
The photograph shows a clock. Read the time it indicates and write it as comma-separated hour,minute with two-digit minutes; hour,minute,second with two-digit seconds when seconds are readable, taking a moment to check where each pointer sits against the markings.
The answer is 5,58
